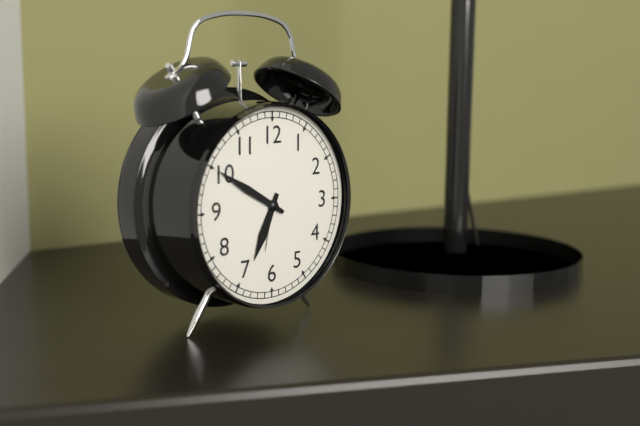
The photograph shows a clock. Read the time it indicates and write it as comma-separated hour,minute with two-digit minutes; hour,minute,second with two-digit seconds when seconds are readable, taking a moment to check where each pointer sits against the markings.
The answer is 6,50
